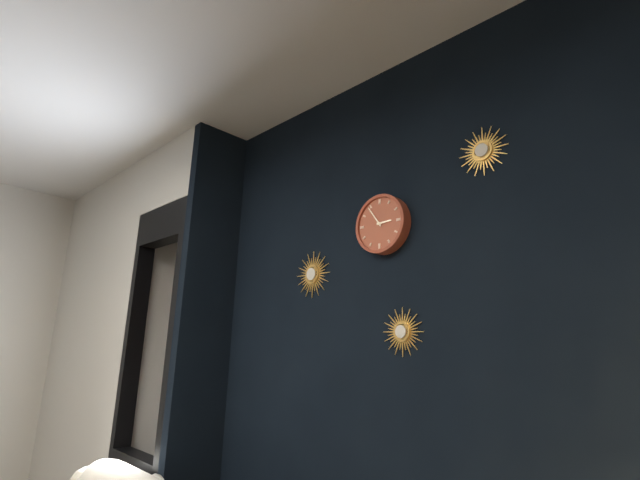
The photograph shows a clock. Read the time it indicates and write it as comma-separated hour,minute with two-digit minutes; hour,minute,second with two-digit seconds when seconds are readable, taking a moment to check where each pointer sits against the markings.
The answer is 2,54
